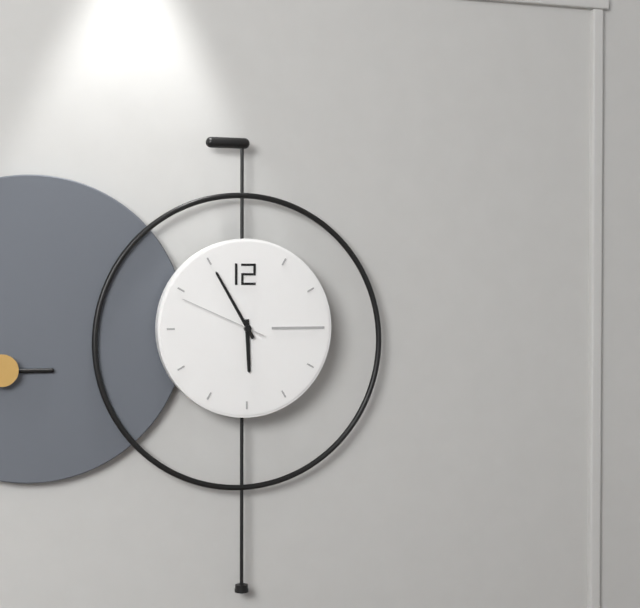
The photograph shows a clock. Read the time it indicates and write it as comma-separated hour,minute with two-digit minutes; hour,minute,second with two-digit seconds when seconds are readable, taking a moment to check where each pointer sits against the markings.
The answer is 5,55,49
